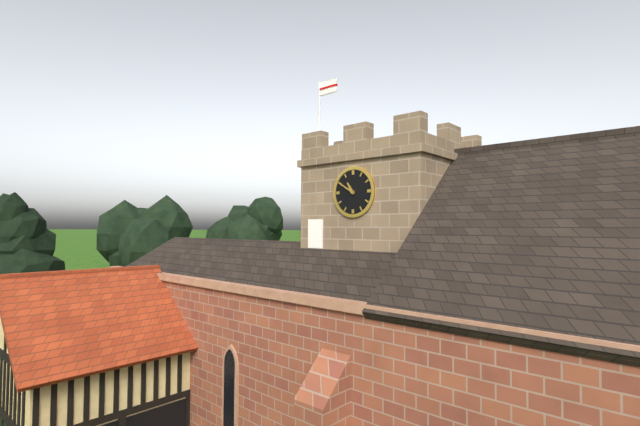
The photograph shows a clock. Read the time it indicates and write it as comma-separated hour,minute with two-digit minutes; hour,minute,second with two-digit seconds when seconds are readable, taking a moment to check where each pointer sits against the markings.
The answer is 10,50
